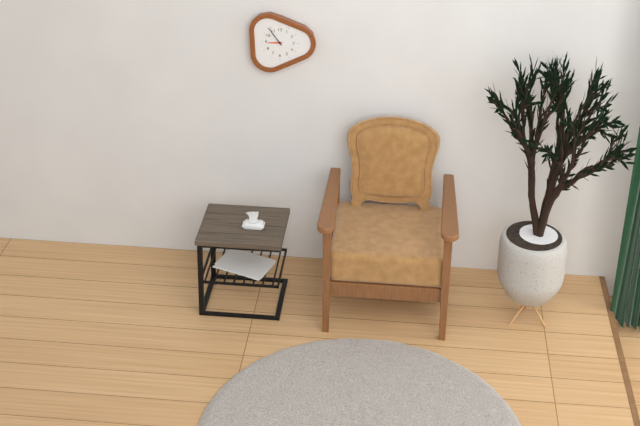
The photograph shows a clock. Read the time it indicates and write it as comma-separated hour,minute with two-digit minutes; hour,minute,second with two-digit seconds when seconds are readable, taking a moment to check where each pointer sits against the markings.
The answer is 8,54
